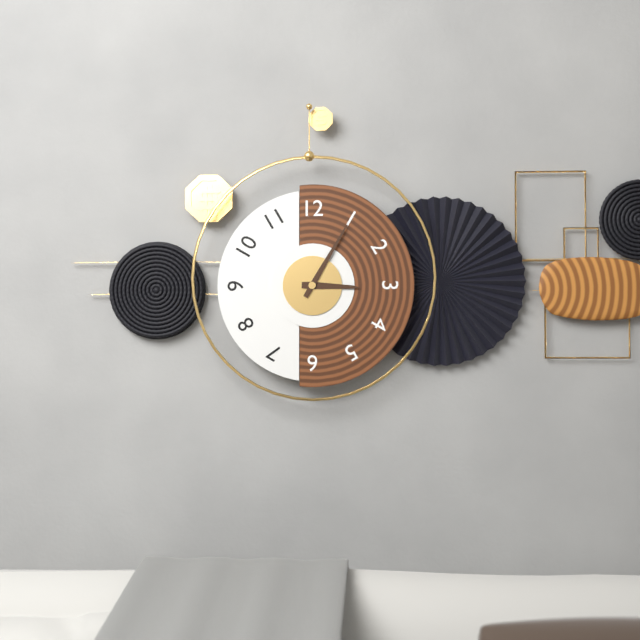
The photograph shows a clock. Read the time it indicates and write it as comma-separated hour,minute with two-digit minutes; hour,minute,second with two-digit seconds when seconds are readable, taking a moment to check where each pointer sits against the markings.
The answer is 3,05
